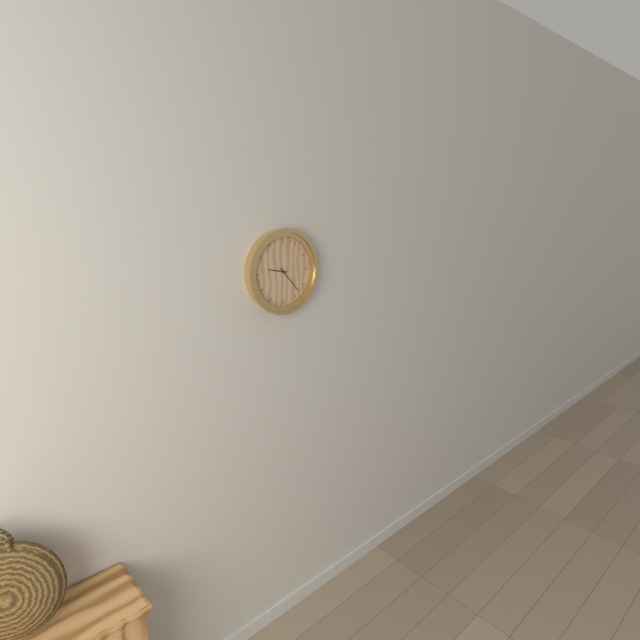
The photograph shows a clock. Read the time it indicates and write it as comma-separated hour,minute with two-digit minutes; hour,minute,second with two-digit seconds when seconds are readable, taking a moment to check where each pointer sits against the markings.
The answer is 9,23
